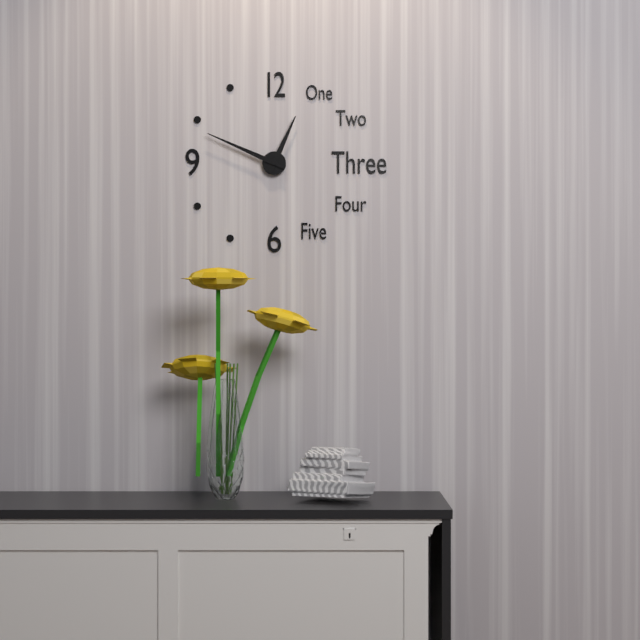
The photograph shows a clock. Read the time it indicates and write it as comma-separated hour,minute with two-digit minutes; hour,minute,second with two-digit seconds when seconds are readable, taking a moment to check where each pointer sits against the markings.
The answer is 12,49
